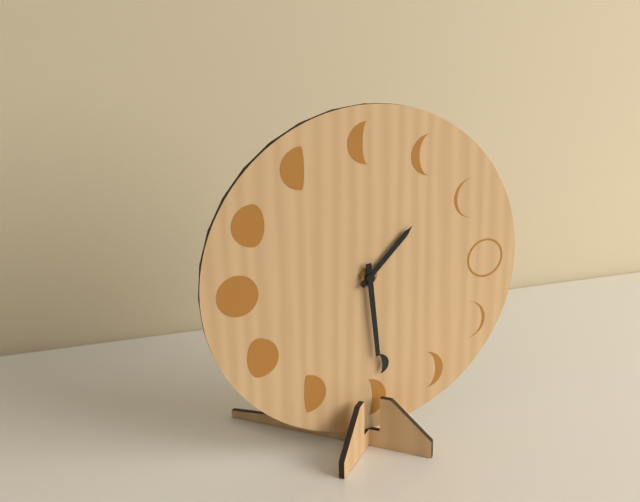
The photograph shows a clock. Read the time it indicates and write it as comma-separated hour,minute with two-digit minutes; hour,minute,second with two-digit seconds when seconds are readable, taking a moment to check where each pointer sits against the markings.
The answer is 1,29
